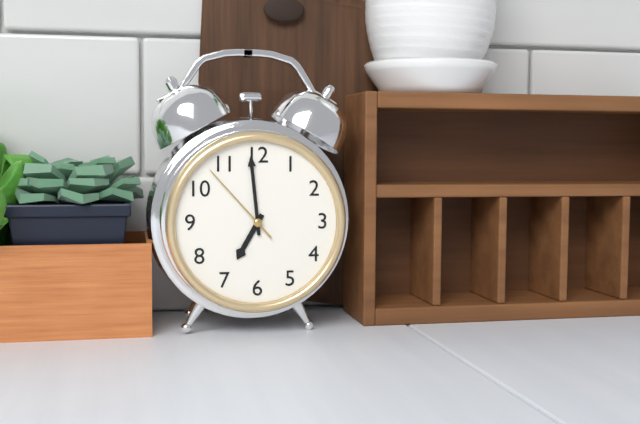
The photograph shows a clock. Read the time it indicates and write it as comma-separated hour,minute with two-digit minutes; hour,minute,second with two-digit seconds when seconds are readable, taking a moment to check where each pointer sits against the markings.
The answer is 6,59,53
